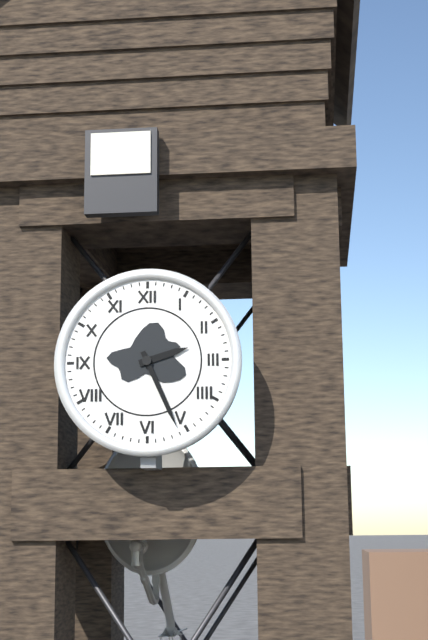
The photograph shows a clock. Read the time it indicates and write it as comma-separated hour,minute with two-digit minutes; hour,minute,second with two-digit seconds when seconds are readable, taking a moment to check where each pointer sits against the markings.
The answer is 2,26
